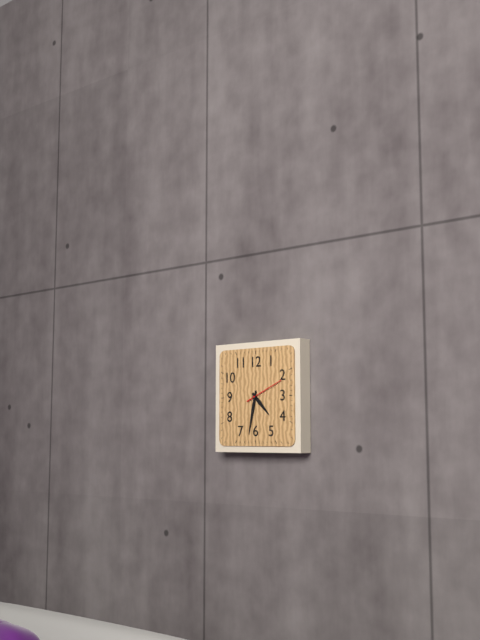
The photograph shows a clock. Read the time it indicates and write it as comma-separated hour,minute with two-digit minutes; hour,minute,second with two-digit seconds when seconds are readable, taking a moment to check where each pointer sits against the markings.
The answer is 4,32
